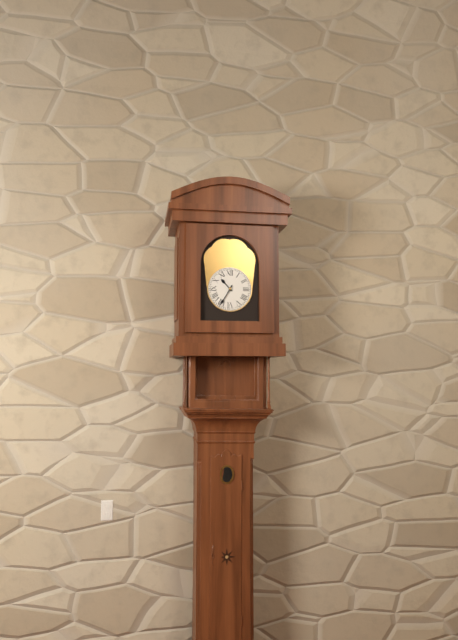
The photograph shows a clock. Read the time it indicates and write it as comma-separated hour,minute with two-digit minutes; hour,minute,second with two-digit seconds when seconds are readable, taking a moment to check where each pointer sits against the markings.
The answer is 10,35
